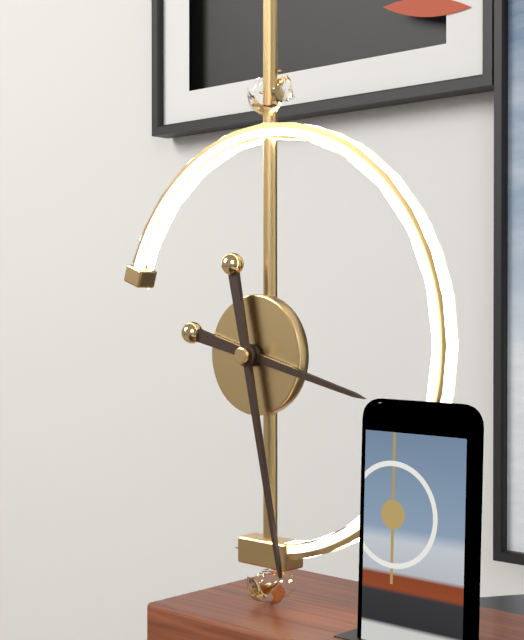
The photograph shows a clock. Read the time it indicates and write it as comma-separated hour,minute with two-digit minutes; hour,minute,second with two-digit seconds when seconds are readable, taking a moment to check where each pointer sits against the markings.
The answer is 3,28
